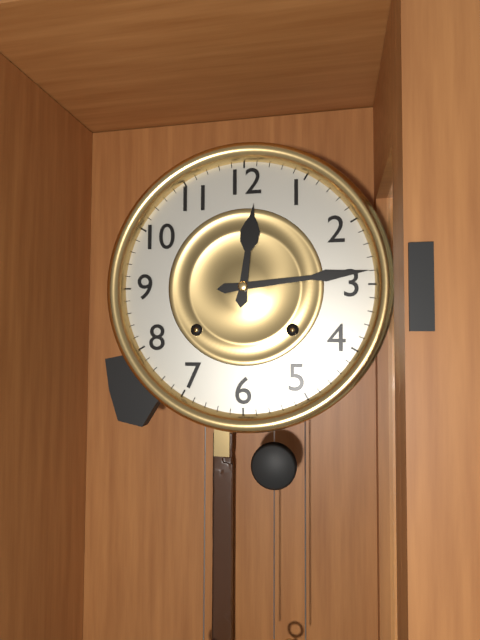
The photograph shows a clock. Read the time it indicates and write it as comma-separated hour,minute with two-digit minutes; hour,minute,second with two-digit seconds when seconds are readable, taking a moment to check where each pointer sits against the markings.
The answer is 12,14
